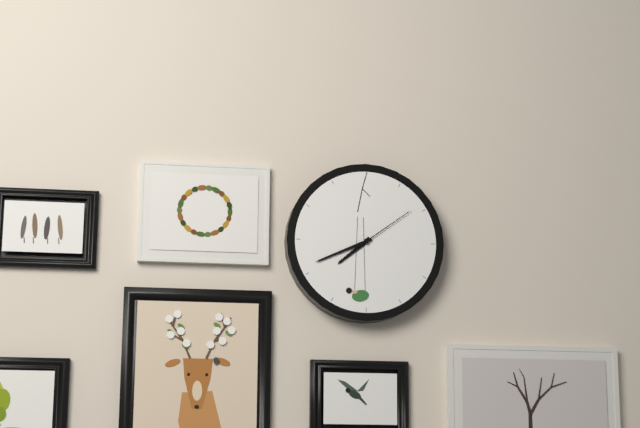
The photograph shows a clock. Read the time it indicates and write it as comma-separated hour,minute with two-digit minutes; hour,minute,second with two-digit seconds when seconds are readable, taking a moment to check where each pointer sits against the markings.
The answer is 7,41,09
